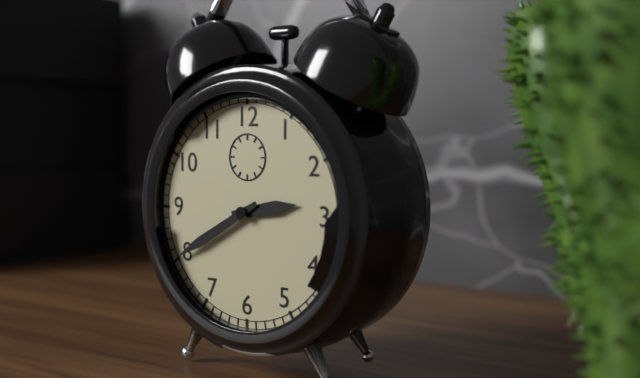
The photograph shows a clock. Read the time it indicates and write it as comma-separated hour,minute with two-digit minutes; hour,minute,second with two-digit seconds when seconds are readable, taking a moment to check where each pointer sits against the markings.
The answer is 2,40
